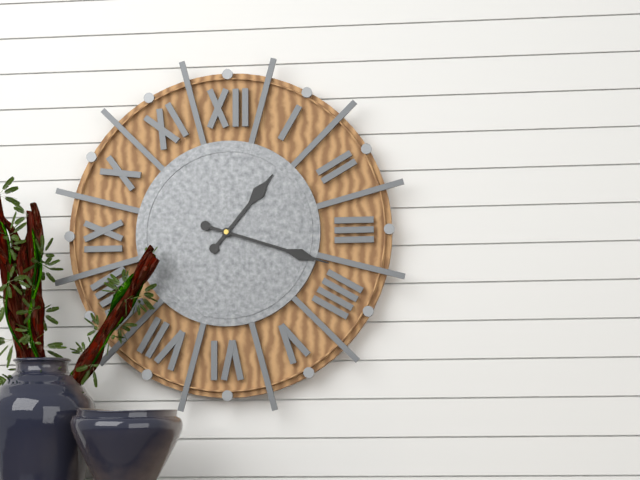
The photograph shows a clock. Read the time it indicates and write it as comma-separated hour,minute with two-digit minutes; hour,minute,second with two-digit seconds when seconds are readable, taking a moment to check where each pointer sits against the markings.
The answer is 1,18
